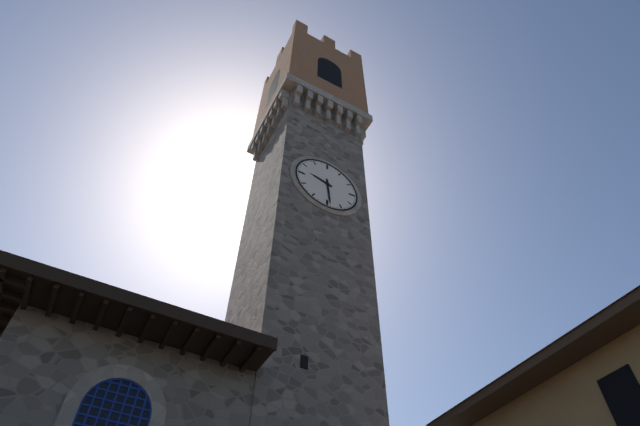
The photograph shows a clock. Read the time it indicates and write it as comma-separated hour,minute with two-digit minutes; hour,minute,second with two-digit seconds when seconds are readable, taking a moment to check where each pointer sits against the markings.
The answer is 9,29
